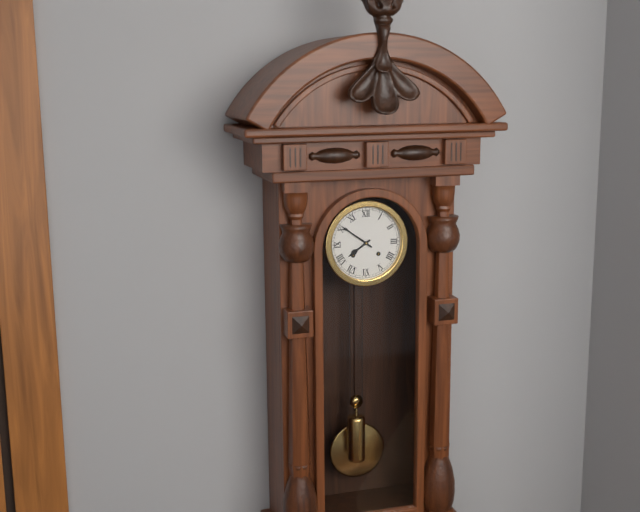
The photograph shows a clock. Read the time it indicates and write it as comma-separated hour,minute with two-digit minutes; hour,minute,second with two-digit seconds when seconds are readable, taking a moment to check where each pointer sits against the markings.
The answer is 7,51
